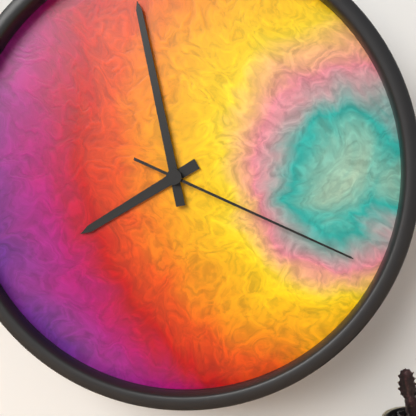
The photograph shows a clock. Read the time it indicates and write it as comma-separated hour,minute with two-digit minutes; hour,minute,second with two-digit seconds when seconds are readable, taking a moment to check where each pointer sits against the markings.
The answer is 7,58,19
